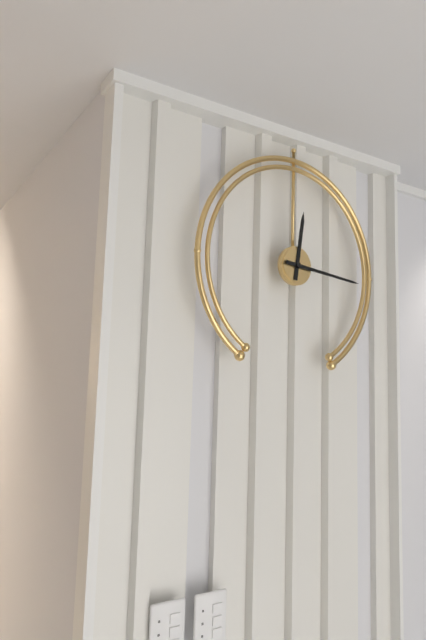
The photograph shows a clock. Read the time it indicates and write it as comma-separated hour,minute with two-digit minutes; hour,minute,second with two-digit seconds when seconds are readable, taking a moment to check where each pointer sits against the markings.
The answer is 12,16
